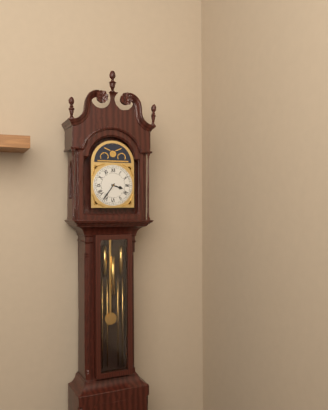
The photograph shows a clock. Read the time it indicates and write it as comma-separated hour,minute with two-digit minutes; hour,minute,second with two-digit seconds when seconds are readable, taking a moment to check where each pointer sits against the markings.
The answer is 3,36
